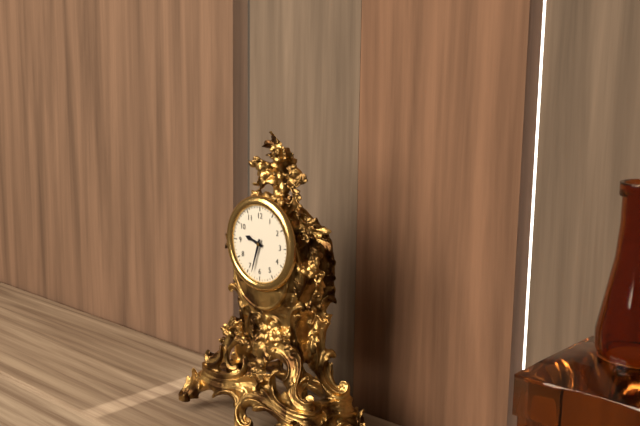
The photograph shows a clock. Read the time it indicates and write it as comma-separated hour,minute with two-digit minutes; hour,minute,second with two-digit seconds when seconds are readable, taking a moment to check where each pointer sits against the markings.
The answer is 9,33
